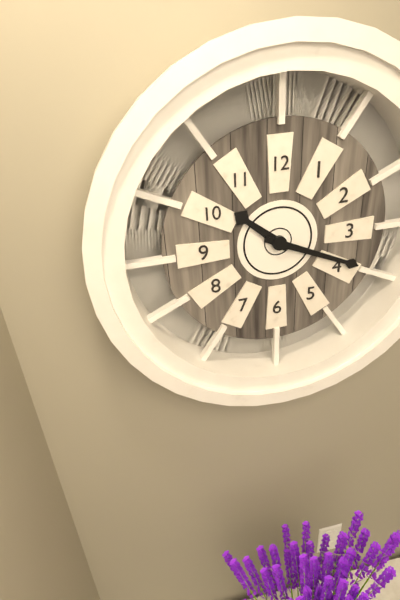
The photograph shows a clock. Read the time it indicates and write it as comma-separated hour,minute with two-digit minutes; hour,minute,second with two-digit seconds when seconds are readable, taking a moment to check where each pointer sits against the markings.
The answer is 10,19
